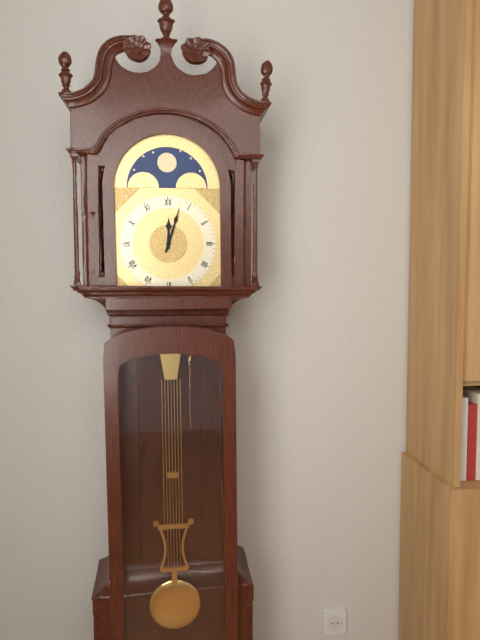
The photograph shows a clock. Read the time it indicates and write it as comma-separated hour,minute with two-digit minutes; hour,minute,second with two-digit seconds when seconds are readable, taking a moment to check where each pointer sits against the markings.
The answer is 12,03
